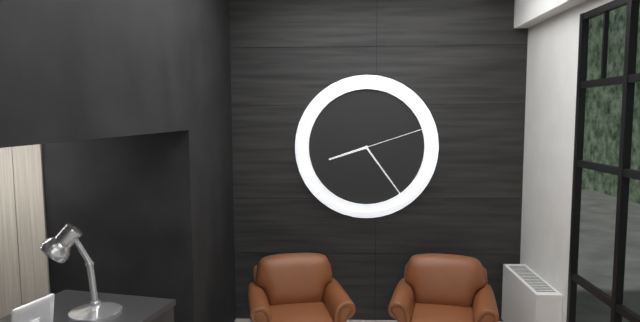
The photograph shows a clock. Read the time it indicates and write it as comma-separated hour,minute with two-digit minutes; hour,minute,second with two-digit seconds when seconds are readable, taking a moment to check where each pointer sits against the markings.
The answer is 8,24,12
